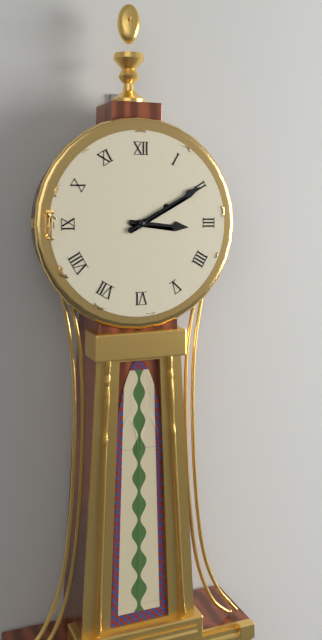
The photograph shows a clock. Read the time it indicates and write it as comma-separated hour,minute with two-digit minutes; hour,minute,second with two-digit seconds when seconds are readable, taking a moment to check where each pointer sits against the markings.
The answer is 3,10
